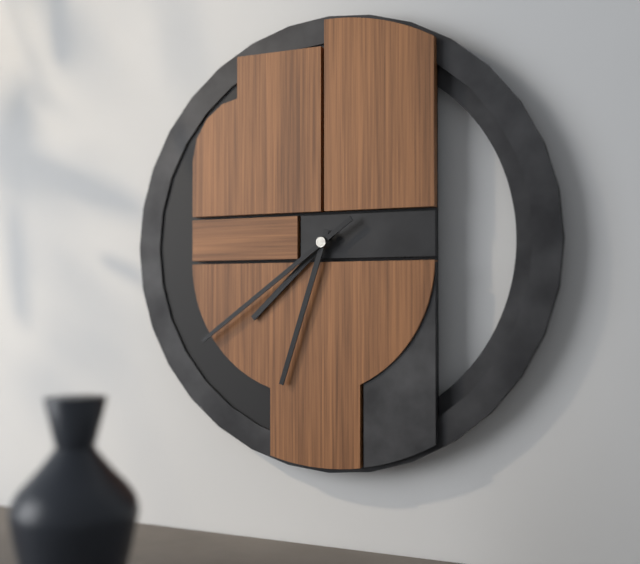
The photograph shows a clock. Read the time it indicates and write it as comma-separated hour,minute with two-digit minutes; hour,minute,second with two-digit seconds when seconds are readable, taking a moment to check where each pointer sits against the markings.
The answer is 7,33,39
